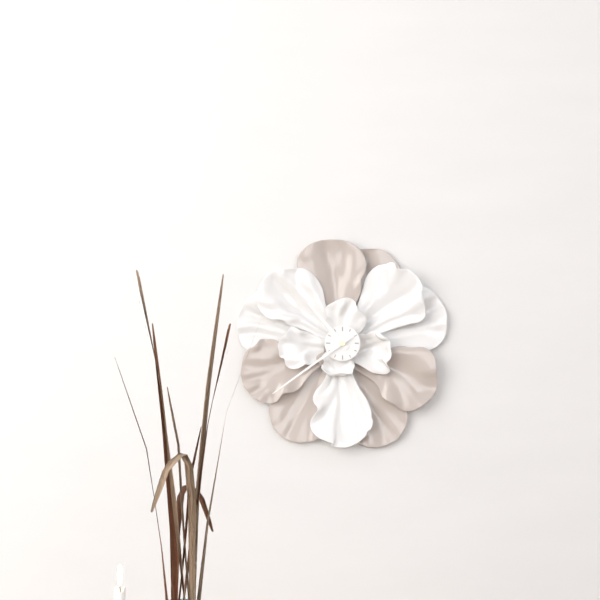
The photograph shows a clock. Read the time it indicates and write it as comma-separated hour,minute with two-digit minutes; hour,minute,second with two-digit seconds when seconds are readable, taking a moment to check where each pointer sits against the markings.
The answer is 10,39
